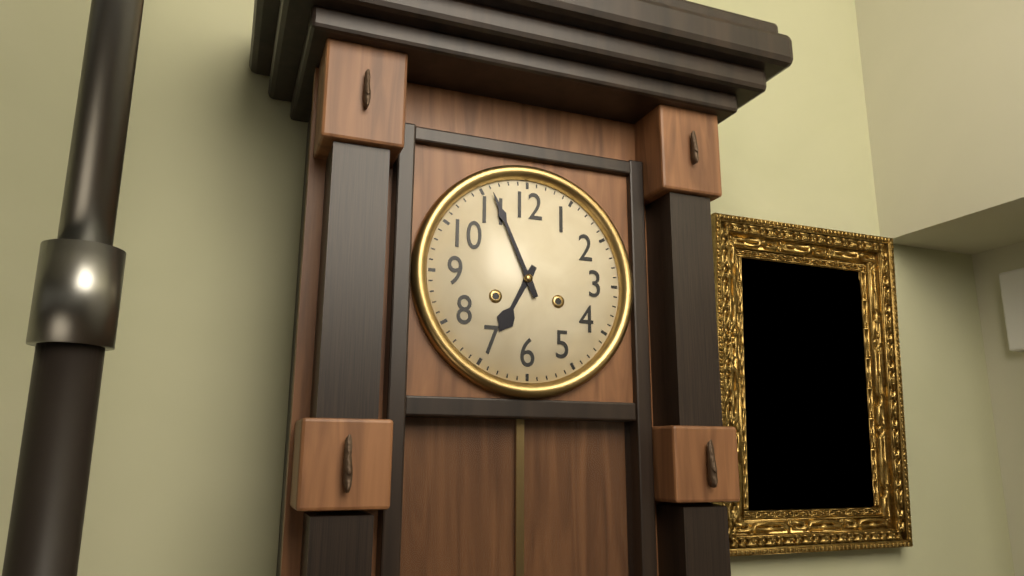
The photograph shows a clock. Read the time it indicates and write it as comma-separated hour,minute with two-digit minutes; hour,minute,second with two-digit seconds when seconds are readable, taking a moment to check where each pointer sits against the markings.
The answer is 6,56
